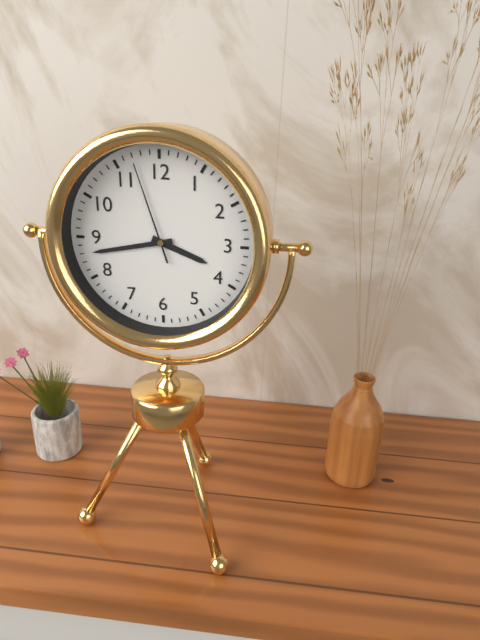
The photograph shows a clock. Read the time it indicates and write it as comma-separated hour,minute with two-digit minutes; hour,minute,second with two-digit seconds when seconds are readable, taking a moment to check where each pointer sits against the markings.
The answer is 3,43,57
